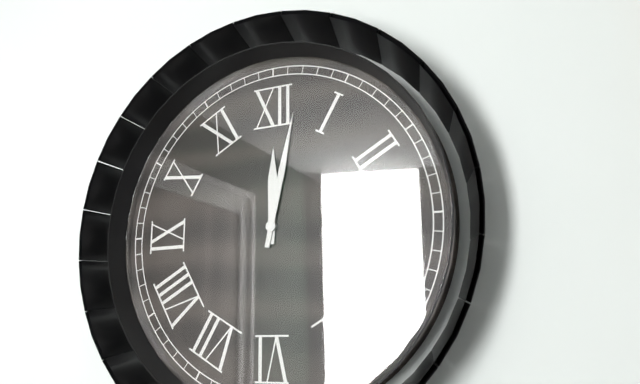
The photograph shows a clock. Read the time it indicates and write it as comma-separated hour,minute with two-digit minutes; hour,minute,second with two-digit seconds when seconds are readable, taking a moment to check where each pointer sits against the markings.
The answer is 12,02
